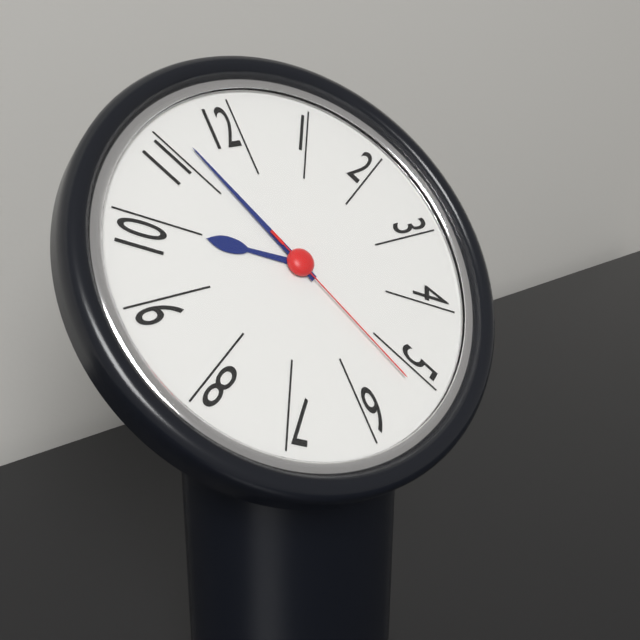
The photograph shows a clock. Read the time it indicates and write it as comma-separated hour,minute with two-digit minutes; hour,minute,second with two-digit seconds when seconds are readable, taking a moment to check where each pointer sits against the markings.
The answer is 9,56,26
